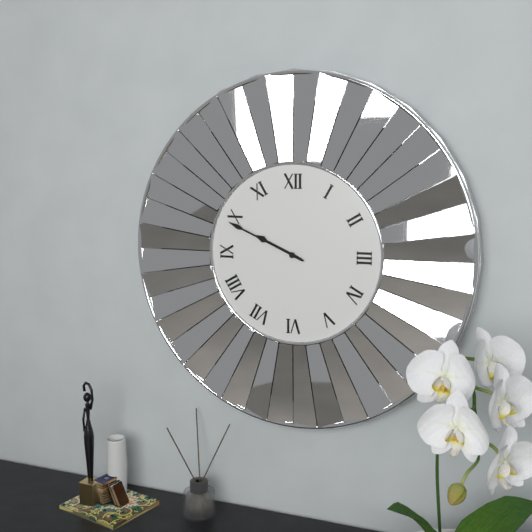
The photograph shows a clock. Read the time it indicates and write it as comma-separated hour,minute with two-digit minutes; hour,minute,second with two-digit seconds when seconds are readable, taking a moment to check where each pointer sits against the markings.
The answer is 9,49
